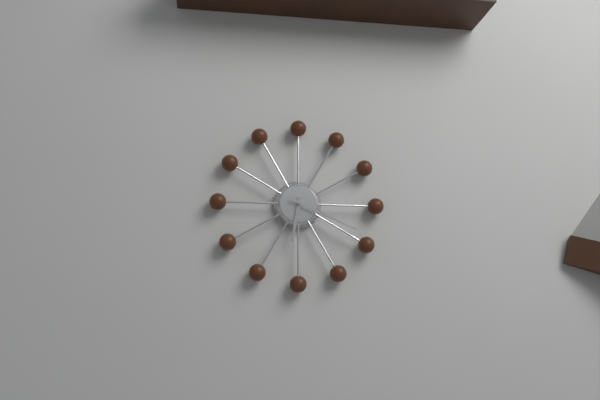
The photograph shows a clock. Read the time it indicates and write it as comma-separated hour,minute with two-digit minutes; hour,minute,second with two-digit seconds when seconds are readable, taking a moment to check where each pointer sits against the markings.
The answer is 6,19
